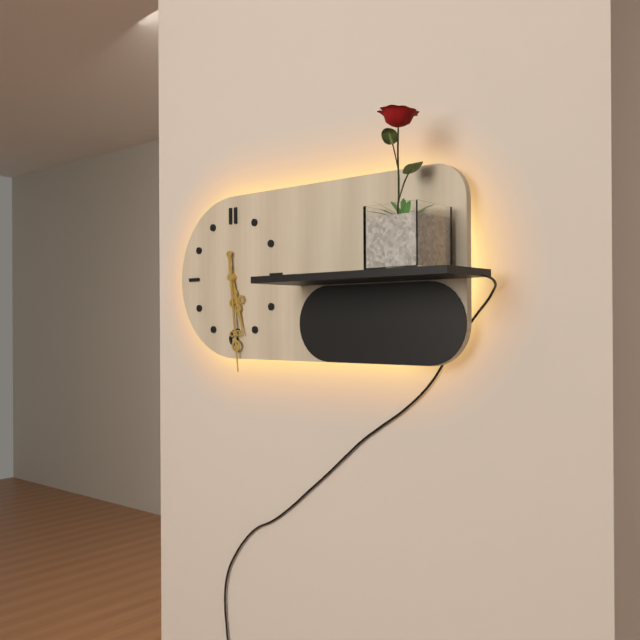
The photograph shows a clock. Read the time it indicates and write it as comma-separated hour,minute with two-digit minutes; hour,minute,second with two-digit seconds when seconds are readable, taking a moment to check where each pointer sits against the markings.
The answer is 5,29
